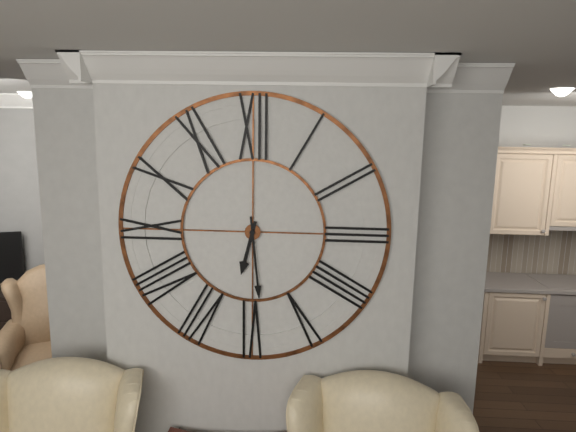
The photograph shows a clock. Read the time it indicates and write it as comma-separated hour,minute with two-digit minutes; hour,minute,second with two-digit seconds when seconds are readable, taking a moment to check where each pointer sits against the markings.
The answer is 6,29
